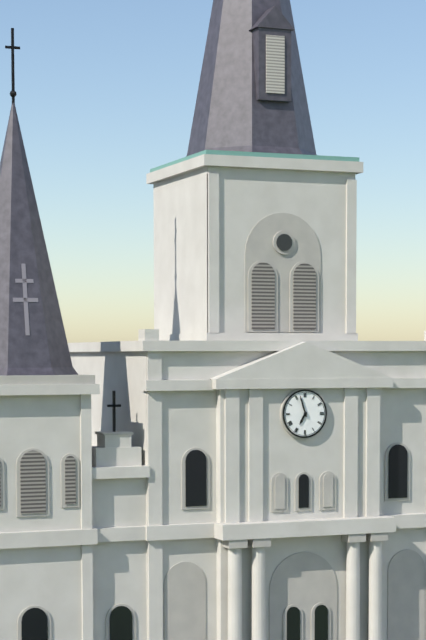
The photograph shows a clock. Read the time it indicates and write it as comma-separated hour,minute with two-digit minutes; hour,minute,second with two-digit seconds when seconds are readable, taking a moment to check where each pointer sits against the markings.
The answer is 6,57
